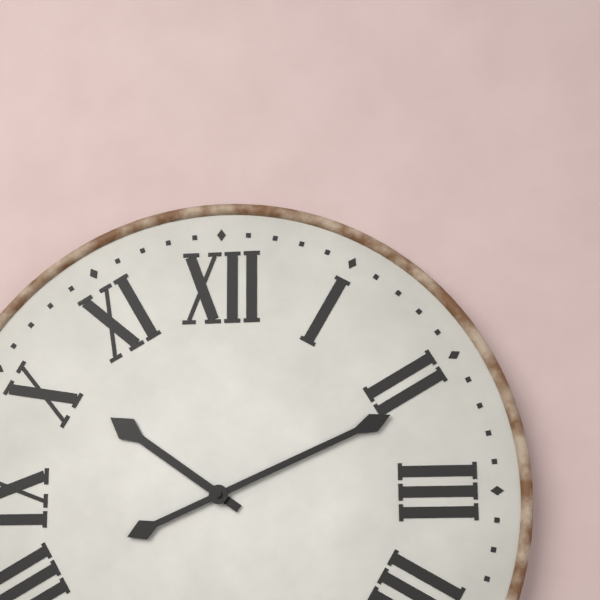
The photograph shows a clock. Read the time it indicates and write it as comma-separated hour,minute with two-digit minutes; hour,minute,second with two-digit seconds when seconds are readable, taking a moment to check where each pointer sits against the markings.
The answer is 10,11
